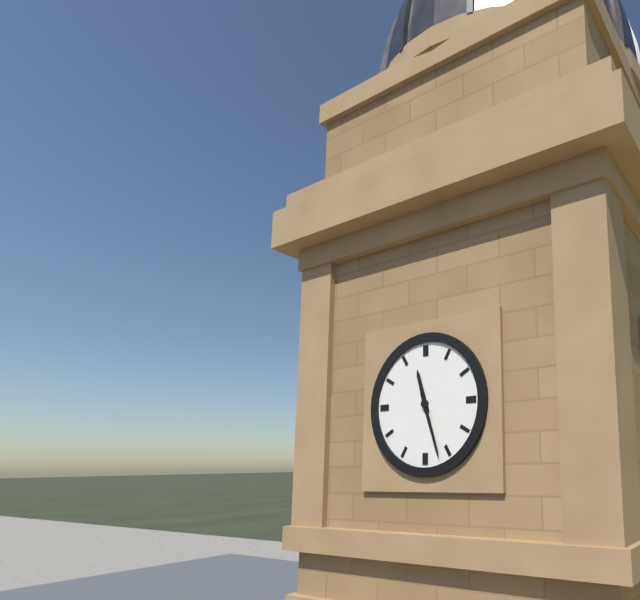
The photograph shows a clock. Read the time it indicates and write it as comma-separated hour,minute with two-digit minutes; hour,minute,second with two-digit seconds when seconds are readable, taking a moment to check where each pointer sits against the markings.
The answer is 11,27
